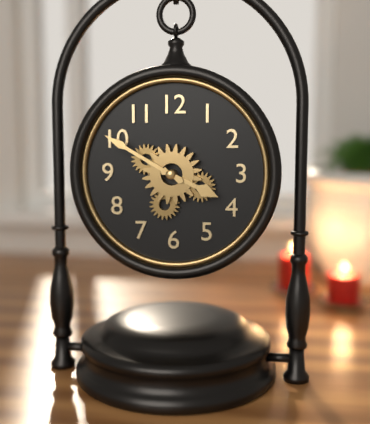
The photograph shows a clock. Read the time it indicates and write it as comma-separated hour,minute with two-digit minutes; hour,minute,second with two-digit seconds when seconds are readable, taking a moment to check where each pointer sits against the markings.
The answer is 3,50
